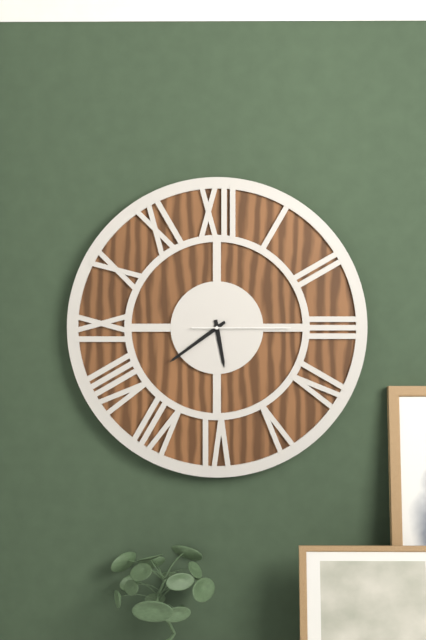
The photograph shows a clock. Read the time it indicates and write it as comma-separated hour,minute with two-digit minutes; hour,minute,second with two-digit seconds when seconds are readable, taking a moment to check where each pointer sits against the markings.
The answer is 5,39,15
